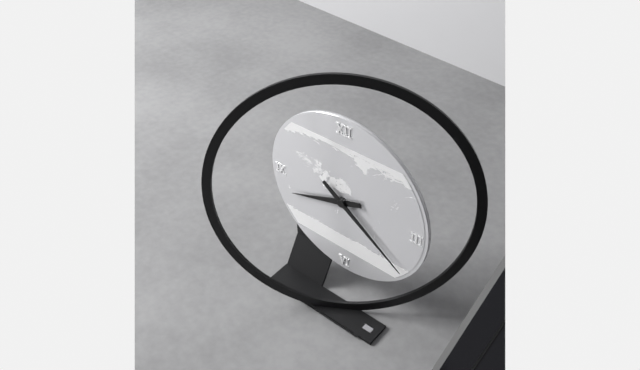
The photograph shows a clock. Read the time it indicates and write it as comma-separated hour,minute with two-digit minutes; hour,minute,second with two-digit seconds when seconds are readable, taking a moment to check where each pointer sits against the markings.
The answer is 8,21
